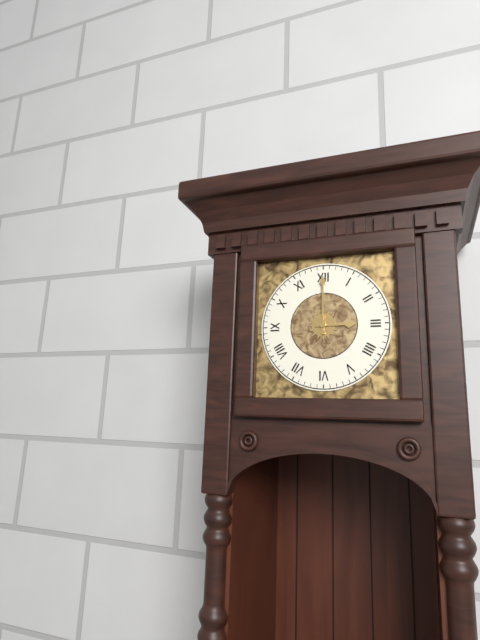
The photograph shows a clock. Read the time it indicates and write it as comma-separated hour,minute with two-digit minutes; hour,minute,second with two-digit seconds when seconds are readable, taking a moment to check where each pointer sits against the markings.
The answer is 3,00
